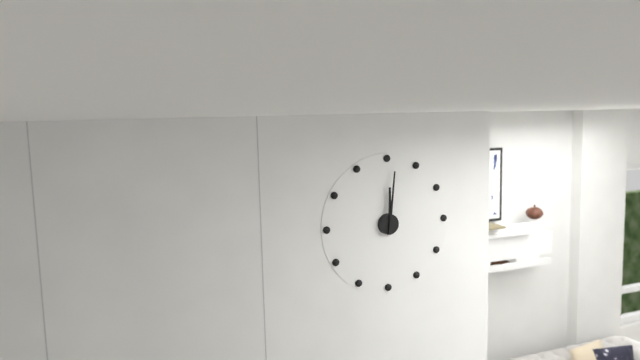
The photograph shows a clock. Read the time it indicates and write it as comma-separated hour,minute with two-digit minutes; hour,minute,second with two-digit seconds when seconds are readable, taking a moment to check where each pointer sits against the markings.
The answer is 12,01
